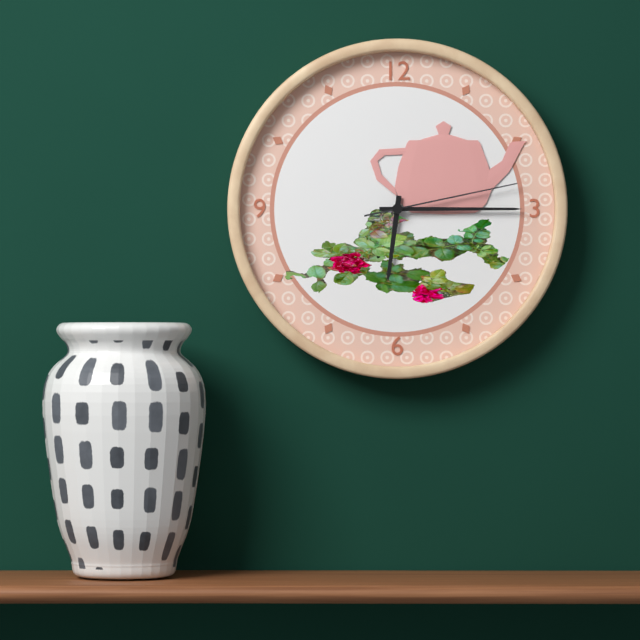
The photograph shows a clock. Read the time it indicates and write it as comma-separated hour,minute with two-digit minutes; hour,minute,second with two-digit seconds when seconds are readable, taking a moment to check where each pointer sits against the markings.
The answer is 6,15,13
